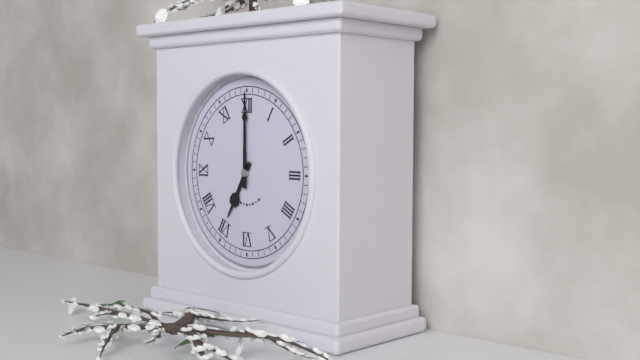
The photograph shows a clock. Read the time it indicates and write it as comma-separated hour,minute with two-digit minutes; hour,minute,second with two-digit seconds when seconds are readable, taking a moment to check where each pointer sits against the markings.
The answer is 7,00
